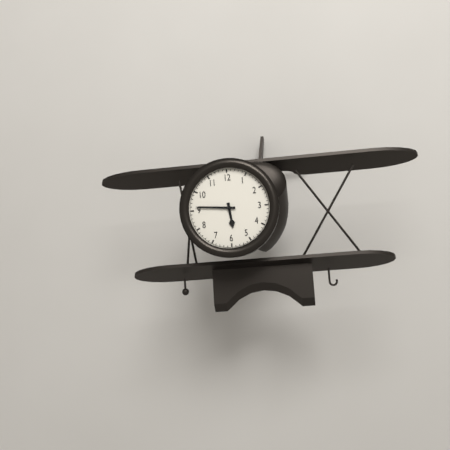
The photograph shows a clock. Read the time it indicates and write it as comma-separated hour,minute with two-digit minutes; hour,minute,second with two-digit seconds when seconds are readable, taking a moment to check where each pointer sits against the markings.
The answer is 5,46
